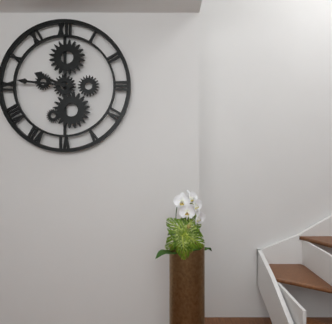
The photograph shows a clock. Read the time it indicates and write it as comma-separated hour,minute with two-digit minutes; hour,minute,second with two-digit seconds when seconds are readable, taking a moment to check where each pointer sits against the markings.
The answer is 9,46
